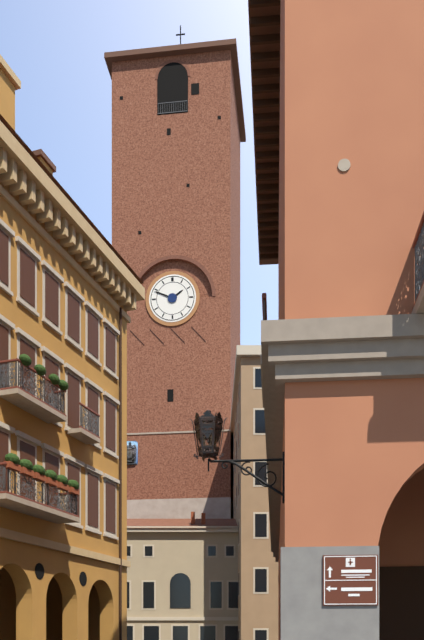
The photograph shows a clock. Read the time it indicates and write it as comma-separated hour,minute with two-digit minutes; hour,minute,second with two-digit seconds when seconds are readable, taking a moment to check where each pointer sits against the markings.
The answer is 1,49
